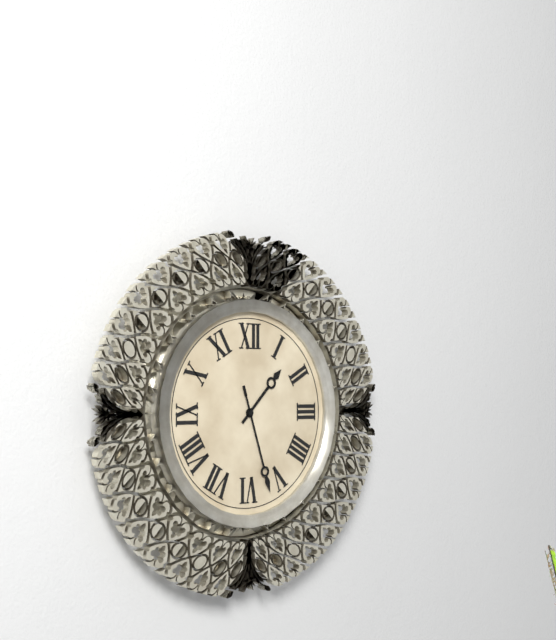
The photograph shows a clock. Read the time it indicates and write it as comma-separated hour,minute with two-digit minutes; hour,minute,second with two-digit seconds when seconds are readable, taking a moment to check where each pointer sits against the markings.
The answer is 1,27
